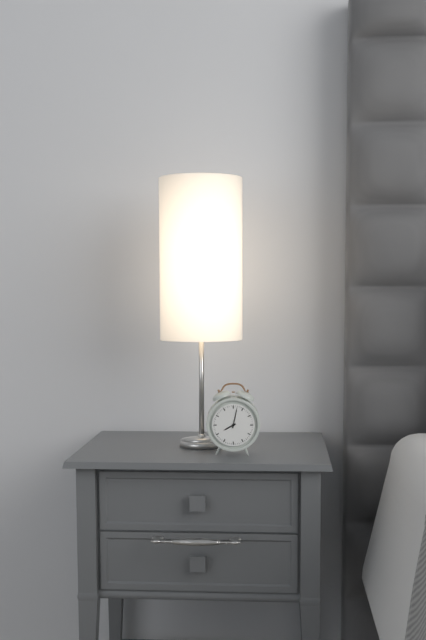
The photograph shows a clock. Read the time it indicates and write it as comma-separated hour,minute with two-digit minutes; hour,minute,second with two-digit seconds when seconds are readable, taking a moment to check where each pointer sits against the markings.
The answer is 8,02
